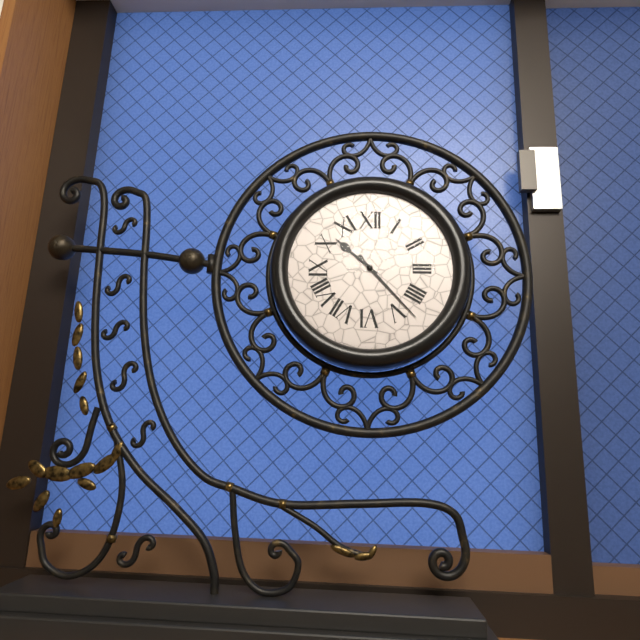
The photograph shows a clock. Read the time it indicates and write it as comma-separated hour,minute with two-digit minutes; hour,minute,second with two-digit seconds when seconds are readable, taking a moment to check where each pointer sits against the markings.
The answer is 10,23
